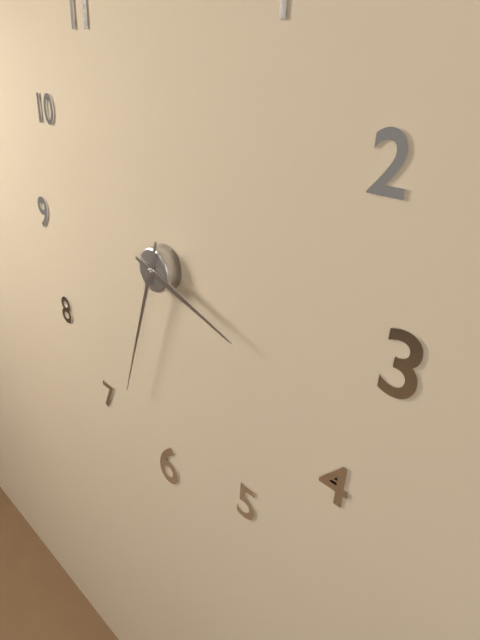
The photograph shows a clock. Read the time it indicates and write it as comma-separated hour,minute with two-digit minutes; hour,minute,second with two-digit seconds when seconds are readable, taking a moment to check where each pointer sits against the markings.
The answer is 3,33
